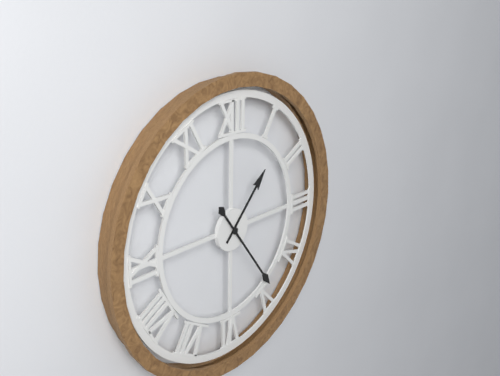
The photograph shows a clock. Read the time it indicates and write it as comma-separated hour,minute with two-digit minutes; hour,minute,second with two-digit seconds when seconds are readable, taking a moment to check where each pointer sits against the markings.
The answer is 1,24
